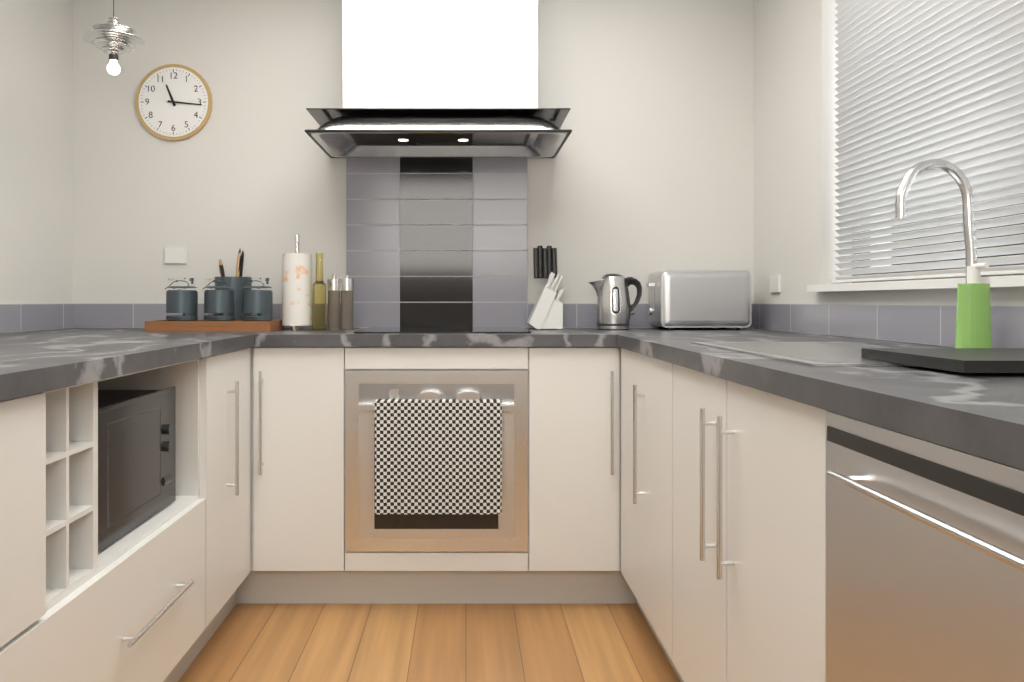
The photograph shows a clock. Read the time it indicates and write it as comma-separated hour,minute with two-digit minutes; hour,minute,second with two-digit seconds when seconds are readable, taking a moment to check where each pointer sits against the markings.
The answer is 11,16
